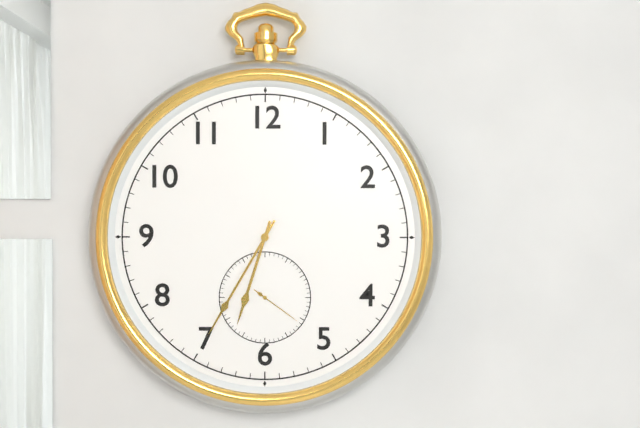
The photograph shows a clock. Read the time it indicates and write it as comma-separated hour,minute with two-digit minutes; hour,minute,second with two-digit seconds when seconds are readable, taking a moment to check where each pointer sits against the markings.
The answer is 6,35,21
